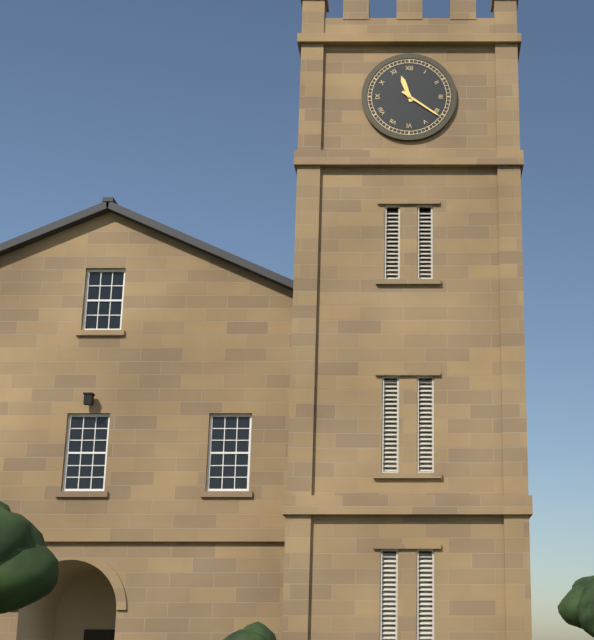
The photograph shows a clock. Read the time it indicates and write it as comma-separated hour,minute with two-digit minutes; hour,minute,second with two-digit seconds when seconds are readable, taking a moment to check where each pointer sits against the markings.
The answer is 11,21
